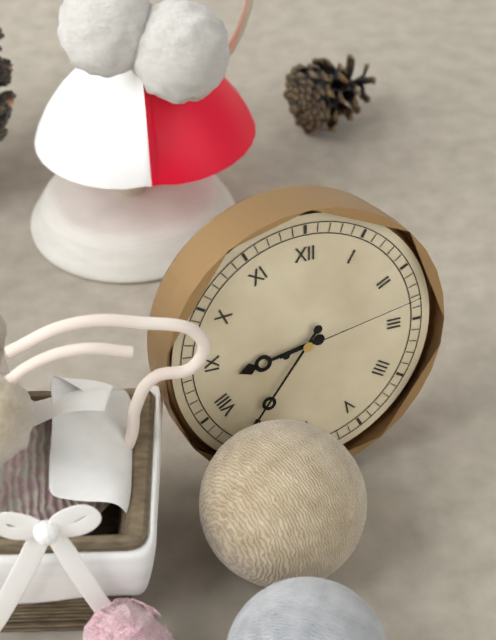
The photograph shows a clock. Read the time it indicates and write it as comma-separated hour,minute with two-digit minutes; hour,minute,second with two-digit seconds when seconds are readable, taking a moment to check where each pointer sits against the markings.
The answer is 8,36,13
